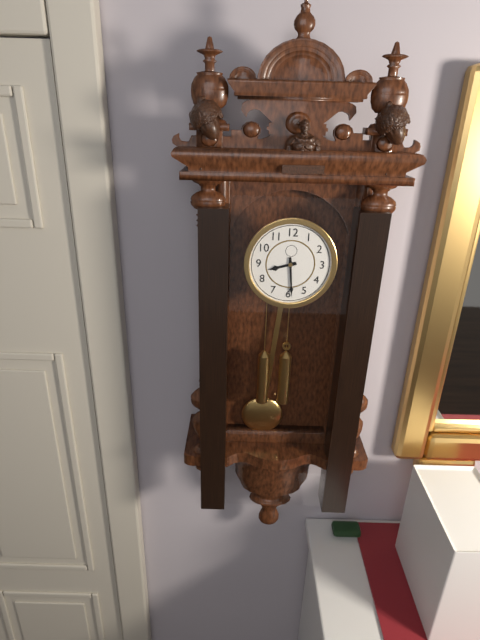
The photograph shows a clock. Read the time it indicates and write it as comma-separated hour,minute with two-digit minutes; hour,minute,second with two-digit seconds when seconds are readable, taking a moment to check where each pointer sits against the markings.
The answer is 8,29
